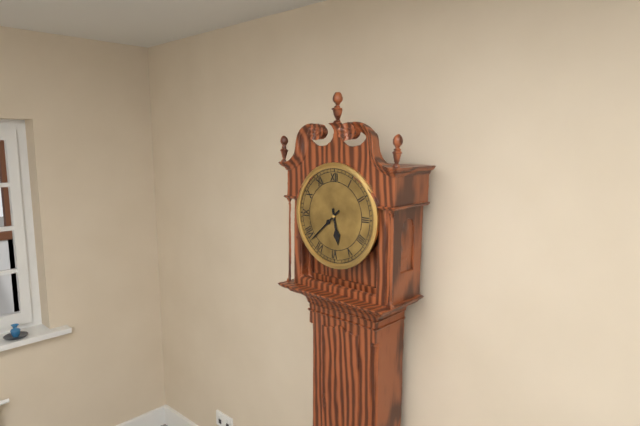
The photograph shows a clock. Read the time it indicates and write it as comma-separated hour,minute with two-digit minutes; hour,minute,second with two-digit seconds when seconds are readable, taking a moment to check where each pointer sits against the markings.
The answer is 5,38
